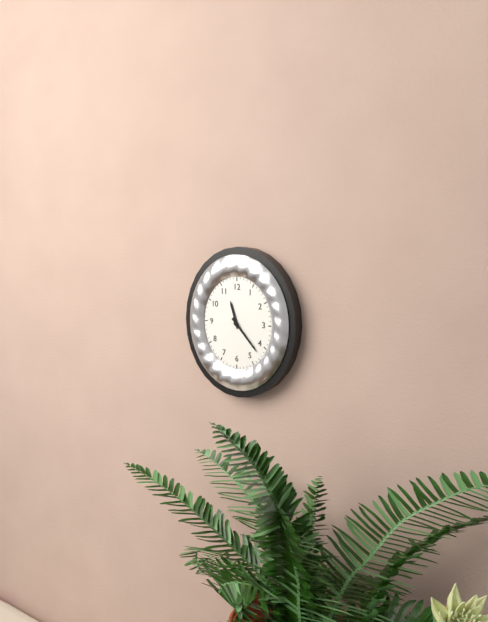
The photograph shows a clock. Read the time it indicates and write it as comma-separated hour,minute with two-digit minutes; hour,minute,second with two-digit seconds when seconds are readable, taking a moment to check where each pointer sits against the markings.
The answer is 11,23
